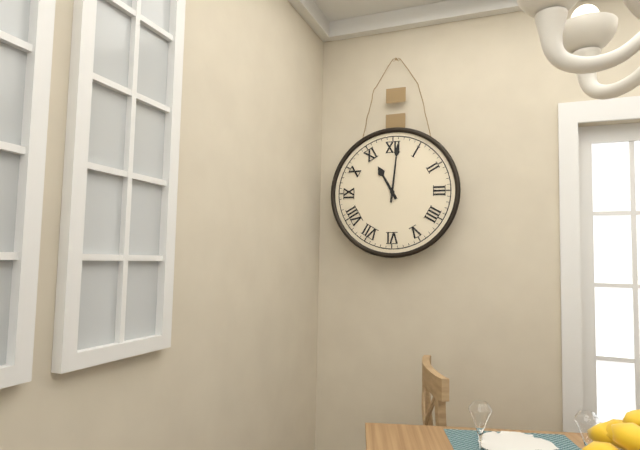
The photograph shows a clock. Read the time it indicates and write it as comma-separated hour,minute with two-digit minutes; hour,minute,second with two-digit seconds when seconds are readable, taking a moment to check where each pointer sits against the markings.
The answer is 11,01
